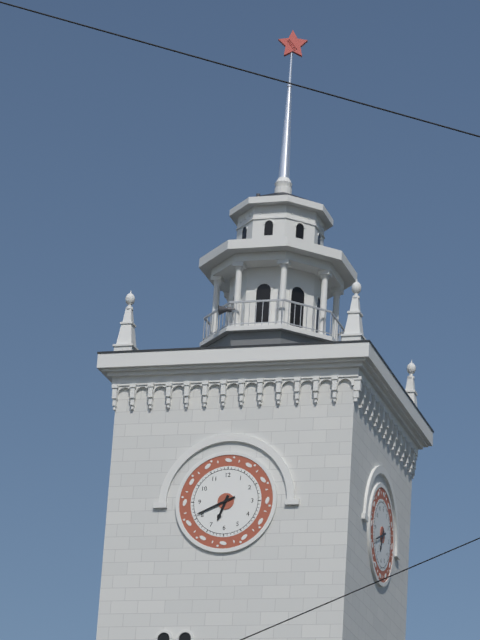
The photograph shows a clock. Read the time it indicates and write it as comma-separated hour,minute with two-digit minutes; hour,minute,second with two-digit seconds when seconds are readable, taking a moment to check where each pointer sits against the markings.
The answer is 6,41
